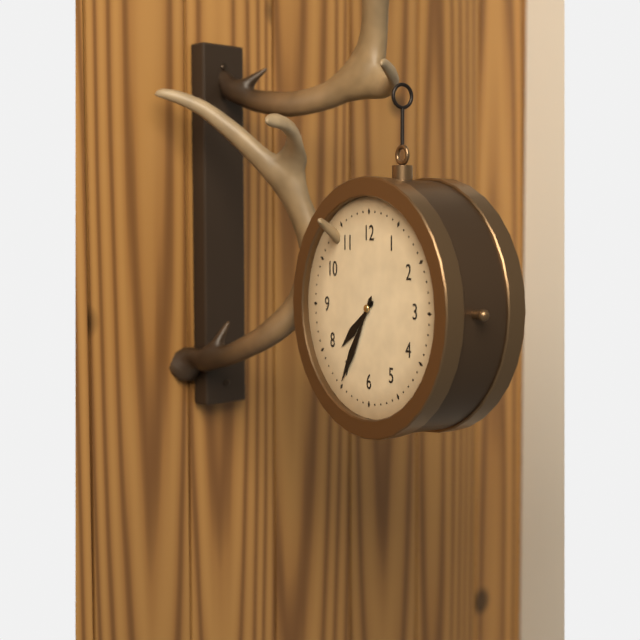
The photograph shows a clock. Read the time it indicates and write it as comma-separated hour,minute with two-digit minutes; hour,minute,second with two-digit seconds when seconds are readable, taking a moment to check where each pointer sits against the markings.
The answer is 7,35
